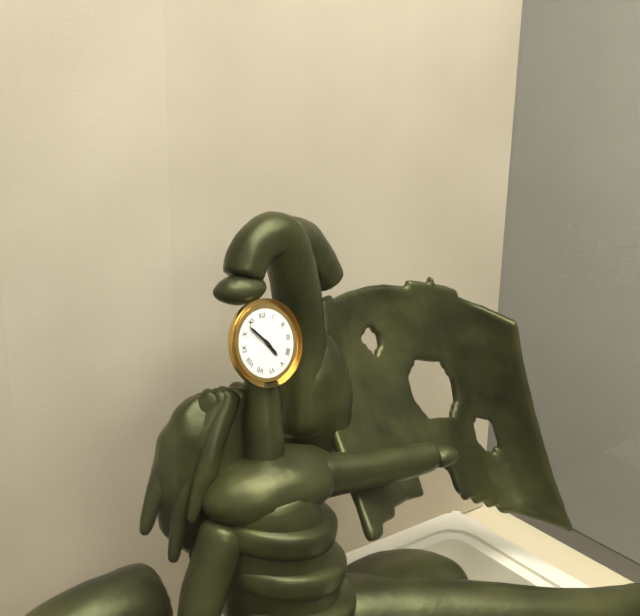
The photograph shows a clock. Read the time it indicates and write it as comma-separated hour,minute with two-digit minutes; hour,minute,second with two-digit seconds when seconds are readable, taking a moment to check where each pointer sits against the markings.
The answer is 4,53
